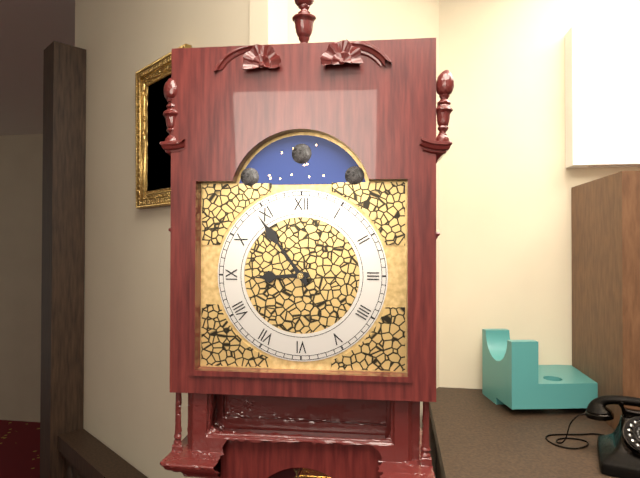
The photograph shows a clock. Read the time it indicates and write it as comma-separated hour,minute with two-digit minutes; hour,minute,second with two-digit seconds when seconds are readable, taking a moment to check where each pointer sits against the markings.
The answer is 8,54
